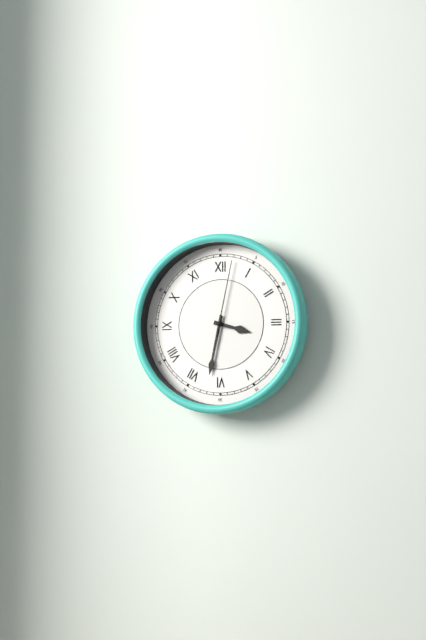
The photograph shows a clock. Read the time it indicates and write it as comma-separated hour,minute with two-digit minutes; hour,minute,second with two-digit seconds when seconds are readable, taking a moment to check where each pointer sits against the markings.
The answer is 3,32,02
